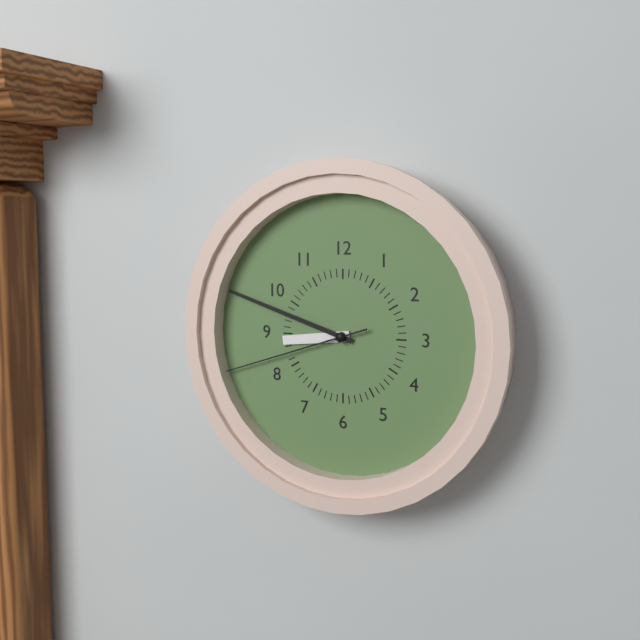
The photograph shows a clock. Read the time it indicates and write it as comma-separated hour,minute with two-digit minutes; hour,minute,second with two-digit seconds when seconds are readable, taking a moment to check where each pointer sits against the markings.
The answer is 8,48,42
